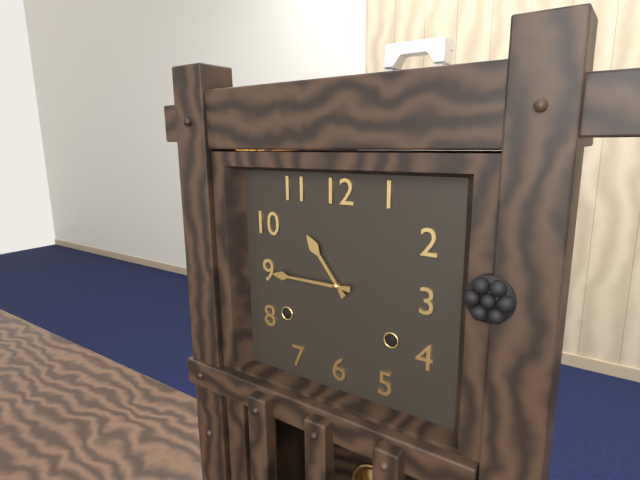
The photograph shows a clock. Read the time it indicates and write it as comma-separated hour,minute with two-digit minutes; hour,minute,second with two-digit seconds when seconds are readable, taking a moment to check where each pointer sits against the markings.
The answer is 10,45
